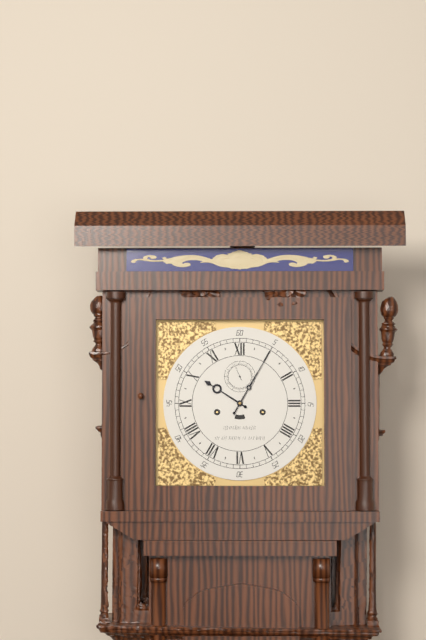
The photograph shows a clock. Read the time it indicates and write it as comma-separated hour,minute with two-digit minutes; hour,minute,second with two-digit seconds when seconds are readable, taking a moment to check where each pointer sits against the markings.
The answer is 10,05
